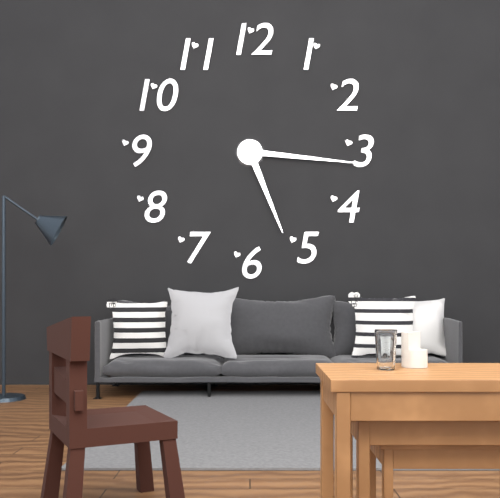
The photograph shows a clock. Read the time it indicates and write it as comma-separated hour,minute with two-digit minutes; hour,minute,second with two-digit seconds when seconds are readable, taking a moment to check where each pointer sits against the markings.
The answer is 5,16
